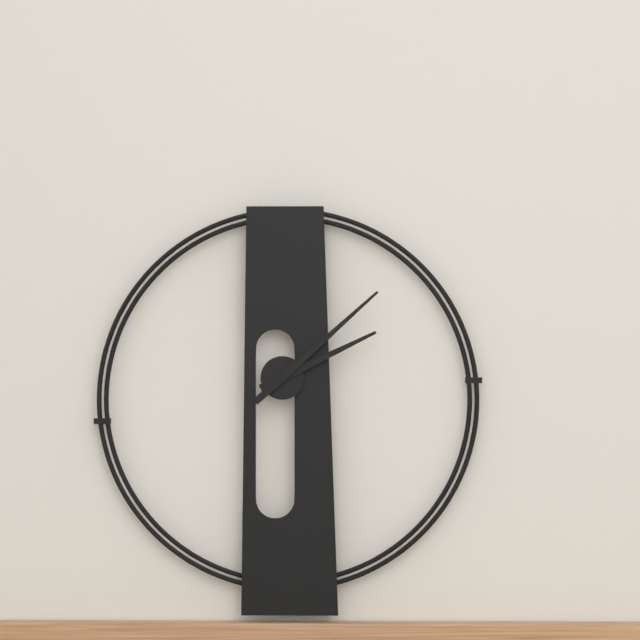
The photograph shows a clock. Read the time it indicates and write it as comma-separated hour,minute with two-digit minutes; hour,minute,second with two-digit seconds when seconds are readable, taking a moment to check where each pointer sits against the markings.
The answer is 2,08
